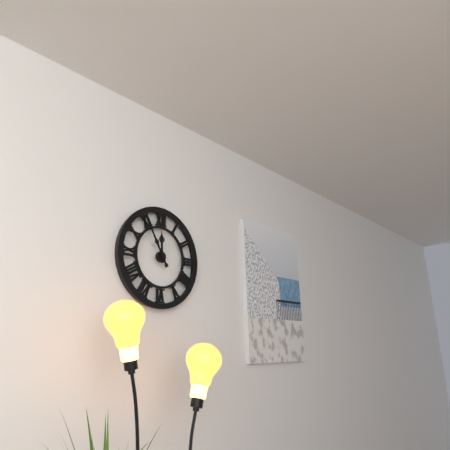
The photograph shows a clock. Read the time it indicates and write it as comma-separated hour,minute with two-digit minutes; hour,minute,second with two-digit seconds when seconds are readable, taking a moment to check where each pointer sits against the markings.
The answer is 11,55
